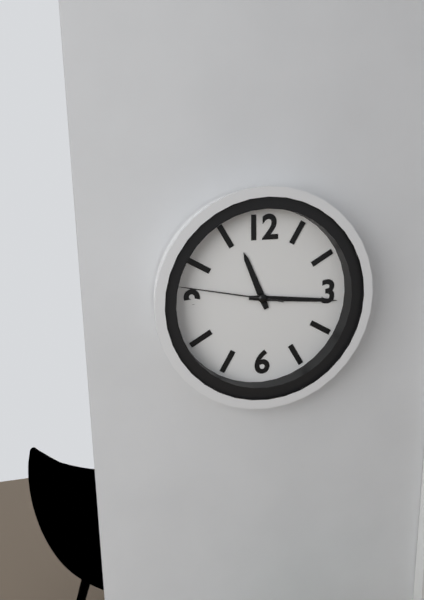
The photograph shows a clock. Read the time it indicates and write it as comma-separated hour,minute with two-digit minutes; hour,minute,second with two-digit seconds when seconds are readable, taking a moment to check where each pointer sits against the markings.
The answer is 11,16,47
